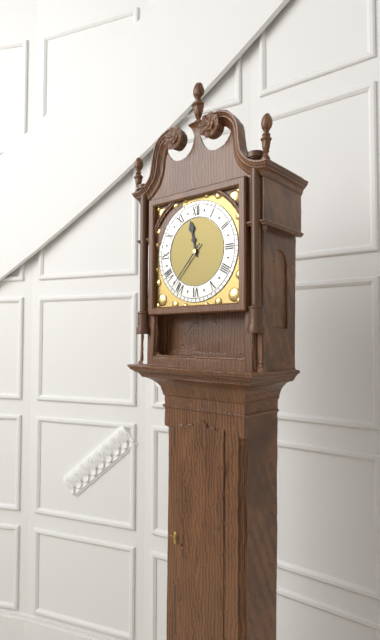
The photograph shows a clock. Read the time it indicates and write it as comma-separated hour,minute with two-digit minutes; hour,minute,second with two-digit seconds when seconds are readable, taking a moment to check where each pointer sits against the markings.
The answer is 11,37
